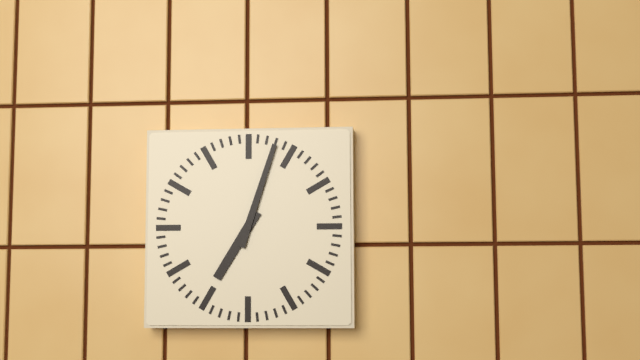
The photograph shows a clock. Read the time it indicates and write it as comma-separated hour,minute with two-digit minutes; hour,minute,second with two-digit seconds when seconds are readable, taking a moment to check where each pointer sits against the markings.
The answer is 7,03
